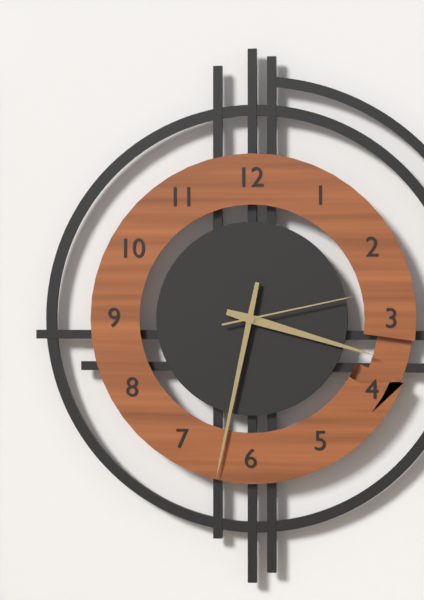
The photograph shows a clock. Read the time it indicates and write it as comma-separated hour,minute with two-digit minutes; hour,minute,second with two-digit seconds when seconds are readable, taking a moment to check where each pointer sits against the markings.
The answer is 3,32,13
